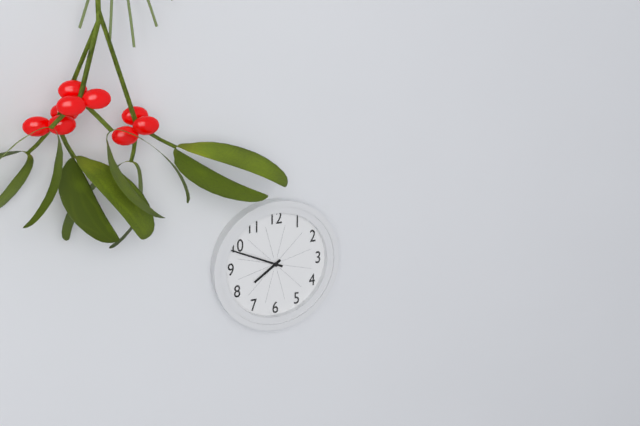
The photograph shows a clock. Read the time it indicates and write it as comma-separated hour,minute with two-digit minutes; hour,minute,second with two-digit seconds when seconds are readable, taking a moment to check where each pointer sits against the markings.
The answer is 7,49
